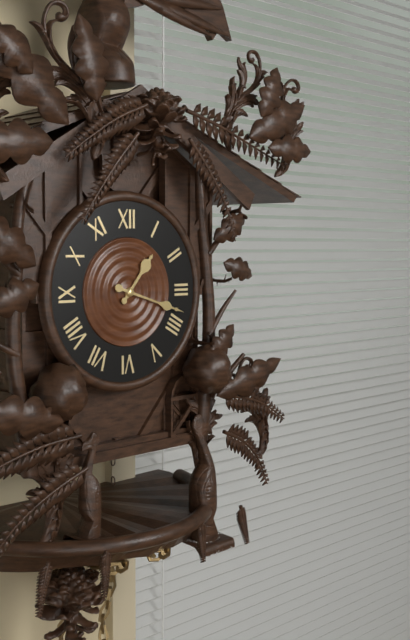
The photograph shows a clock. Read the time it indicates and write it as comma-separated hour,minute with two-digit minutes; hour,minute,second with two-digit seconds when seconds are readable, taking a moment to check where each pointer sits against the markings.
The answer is 1,18
